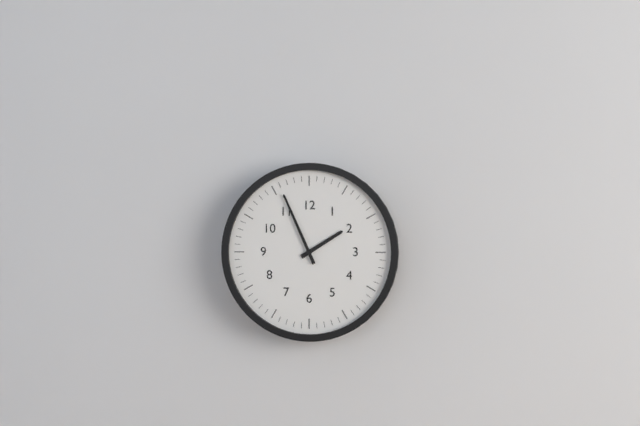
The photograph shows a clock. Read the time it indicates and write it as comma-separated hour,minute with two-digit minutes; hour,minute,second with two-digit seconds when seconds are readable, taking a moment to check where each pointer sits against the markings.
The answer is 1,56
